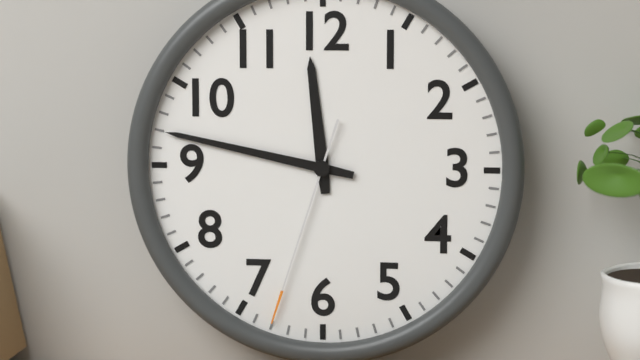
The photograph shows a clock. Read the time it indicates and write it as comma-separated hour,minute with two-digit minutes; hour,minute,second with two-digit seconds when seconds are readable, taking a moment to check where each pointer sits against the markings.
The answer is 11,47,33
